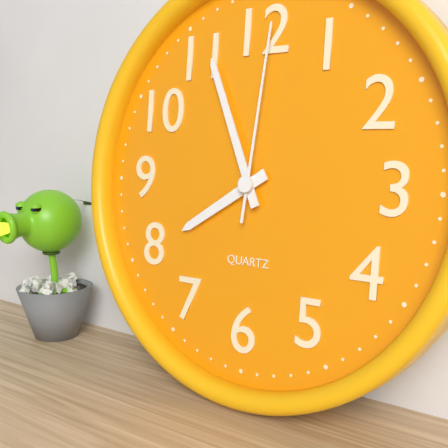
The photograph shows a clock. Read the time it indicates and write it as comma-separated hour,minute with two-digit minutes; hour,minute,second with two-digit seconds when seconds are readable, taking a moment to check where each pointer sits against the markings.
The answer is 7,56,01
